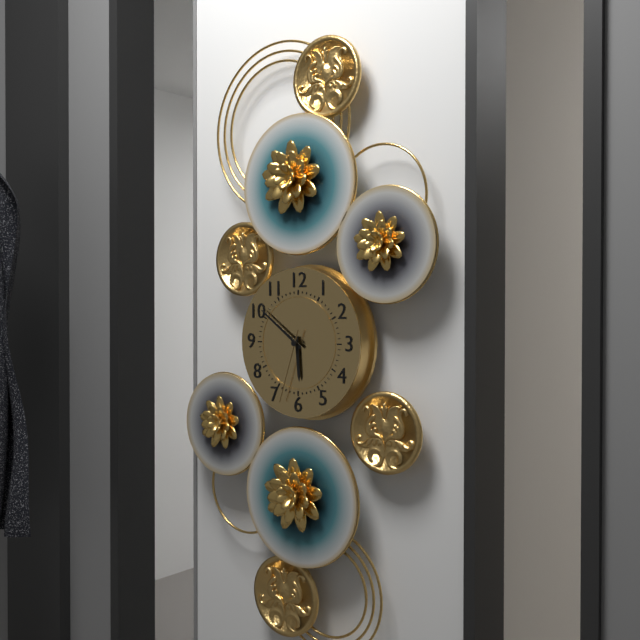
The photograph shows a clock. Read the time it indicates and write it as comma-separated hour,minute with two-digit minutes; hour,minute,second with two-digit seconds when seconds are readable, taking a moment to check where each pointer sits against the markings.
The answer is 5,51,33
